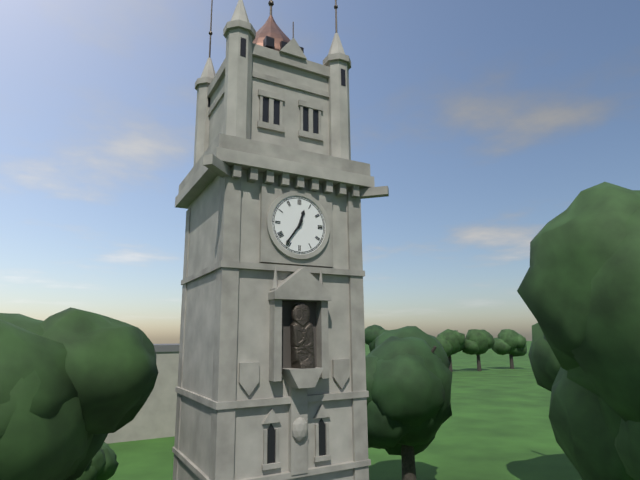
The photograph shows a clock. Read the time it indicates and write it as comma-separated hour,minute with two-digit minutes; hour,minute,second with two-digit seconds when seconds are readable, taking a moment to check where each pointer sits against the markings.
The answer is 12,36
